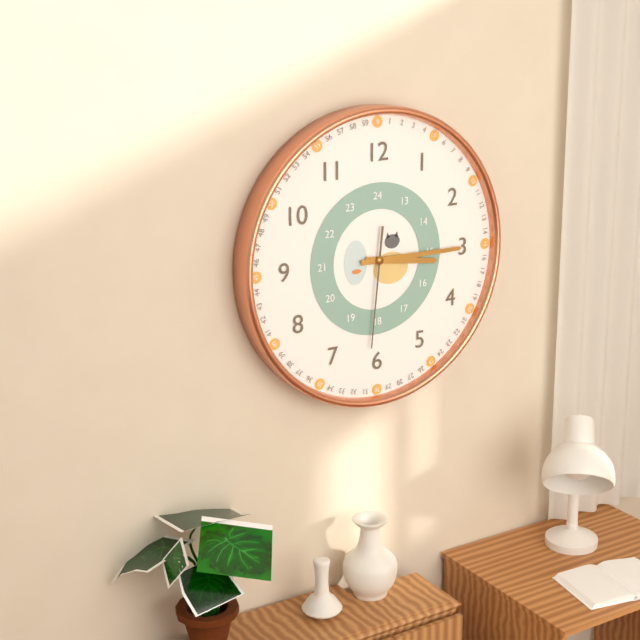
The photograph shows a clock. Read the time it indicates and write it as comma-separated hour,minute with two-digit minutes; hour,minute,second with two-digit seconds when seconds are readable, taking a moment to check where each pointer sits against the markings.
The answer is 3,15,31
